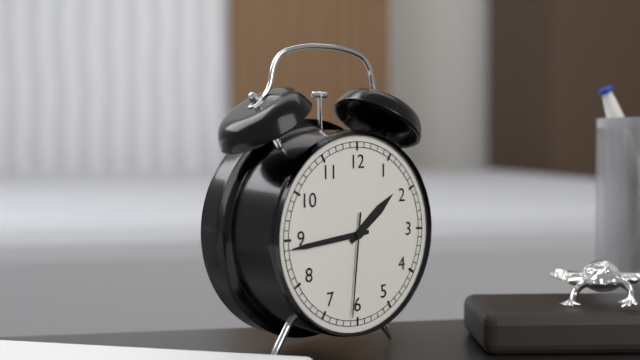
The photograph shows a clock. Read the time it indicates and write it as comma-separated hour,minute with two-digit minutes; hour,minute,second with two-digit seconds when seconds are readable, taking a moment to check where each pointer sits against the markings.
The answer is 1,44,31
